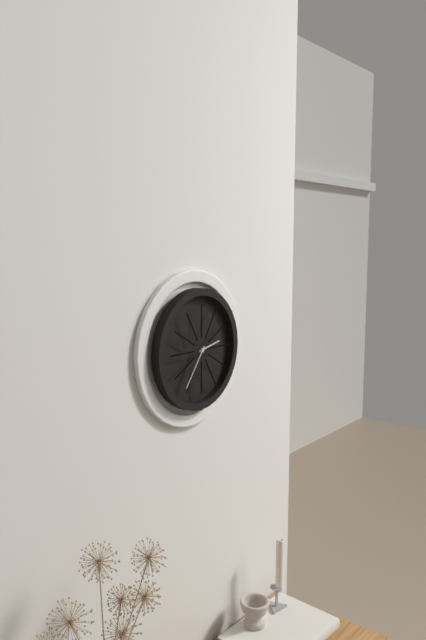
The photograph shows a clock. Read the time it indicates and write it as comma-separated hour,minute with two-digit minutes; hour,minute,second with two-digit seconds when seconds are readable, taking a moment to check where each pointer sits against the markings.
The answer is 2,36
